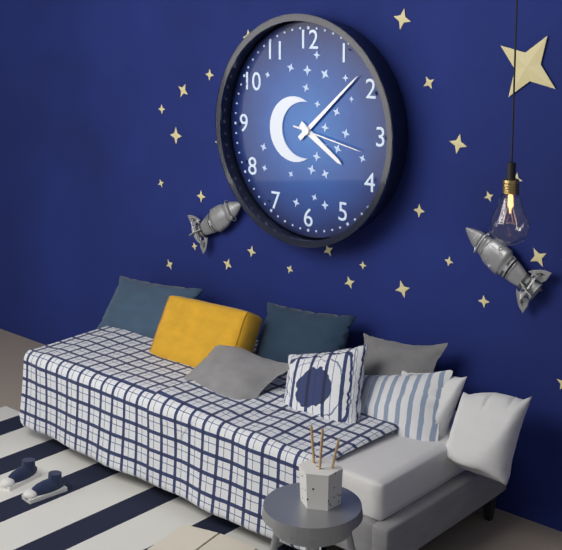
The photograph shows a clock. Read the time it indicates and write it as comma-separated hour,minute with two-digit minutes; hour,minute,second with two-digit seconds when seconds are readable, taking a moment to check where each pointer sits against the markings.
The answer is 4,08,17
